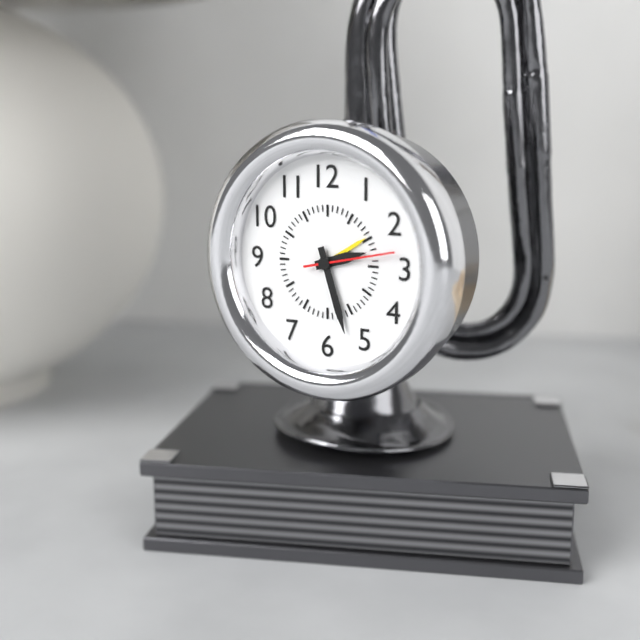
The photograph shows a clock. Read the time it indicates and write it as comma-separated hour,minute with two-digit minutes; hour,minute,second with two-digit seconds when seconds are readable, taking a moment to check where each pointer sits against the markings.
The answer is 2,27,13
